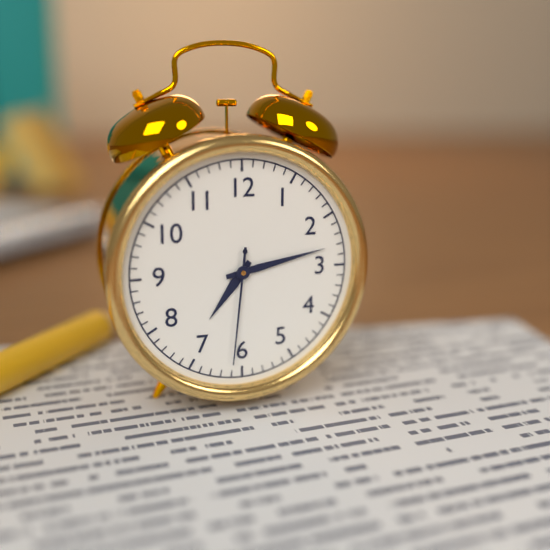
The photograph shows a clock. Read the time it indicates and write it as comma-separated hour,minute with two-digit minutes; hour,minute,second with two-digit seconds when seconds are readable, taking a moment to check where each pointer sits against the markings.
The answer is 7,13,31
